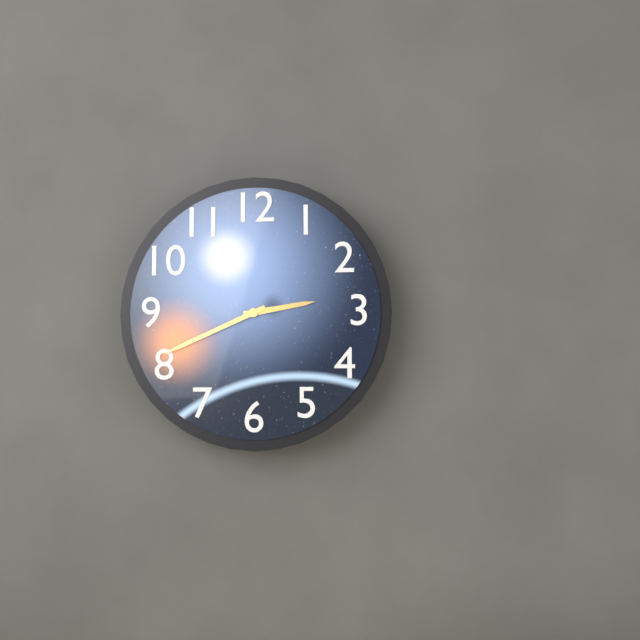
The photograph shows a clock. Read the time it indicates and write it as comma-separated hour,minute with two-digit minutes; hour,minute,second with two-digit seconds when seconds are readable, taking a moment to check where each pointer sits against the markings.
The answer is 2,41
